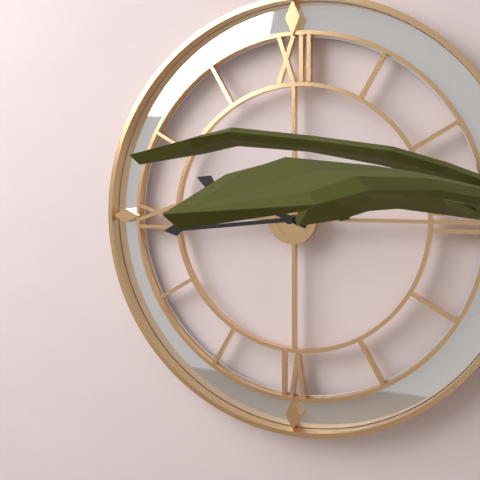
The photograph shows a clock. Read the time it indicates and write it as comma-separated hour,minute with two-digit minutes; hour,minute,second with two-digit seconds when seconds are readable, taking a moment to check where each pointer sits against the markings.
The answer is 9,44
